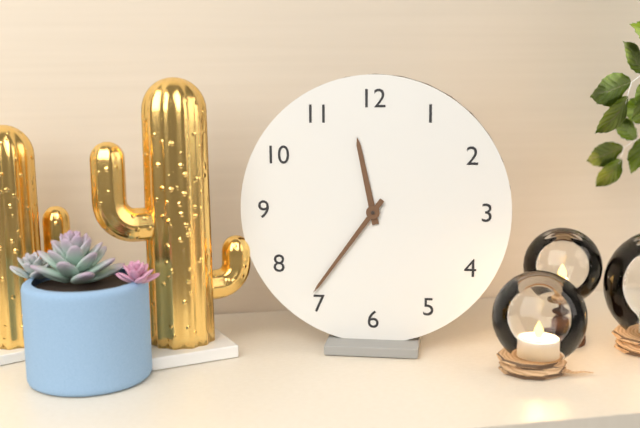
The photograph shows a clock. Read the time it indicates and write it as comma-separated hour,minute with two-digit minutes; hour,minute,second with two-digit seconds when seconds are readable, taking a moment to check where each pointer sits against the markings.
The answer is 11,36
